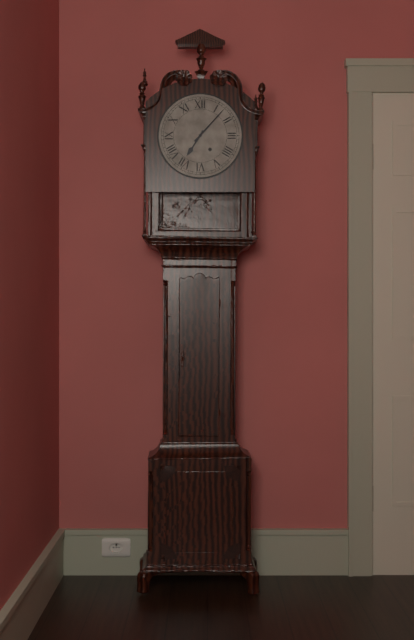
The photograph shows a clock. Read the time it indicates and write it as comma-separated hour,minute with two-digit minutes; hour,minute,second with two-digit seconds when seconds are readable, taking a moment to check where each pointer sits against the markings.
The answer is 7,07
